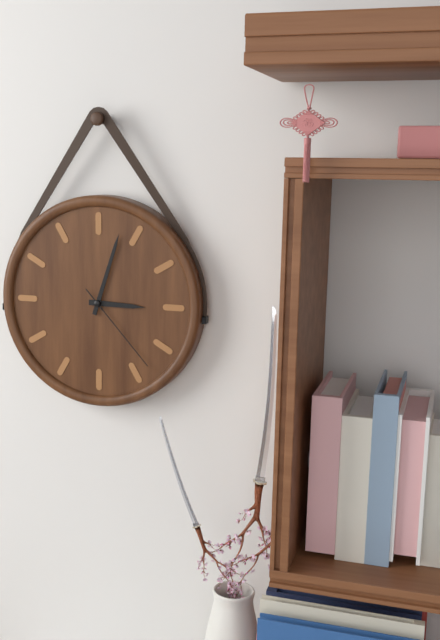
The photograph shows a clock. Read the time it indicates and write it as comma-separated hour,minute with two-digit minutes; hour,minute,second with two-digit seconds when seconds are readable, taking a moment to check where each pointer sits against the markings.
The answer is 3,03,23
